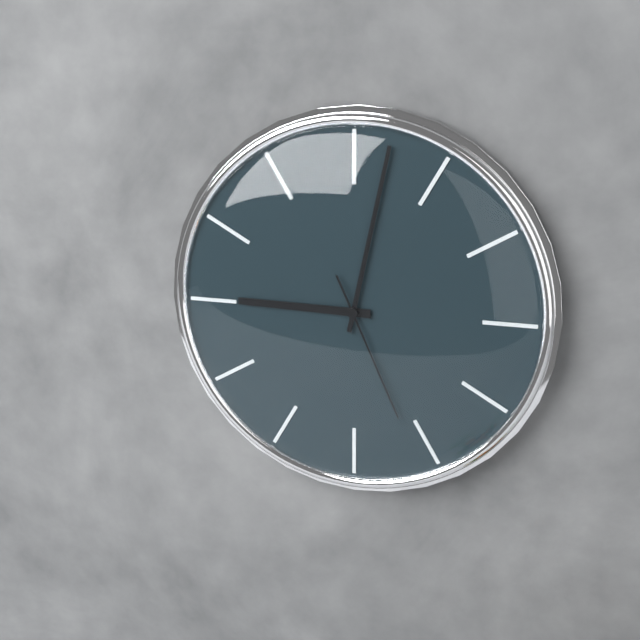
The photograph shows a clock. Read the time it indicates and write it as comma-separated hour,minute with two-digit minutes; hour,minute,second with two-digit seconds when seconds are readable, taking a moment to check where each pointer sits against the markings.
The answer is 9,02,26
